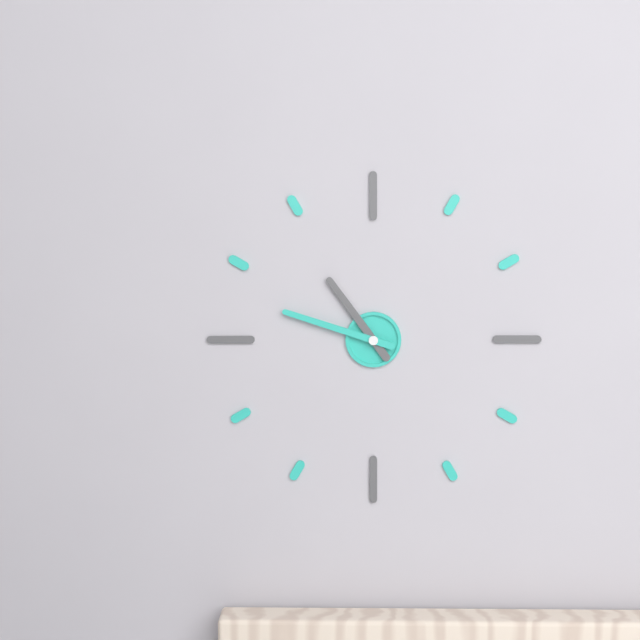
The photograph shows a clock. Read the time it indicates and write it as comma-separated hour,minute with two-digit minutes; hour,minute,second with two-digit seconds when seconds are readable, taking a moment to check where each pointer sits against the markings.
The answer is 10,48
